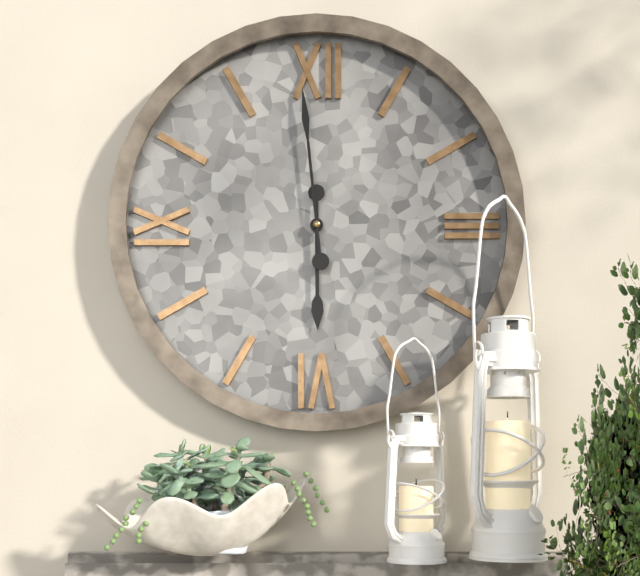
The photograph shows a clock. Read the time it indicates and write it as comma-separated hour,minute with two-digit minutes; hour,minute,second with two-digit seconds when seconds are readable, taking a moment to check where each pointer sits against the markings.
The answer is 5,59
